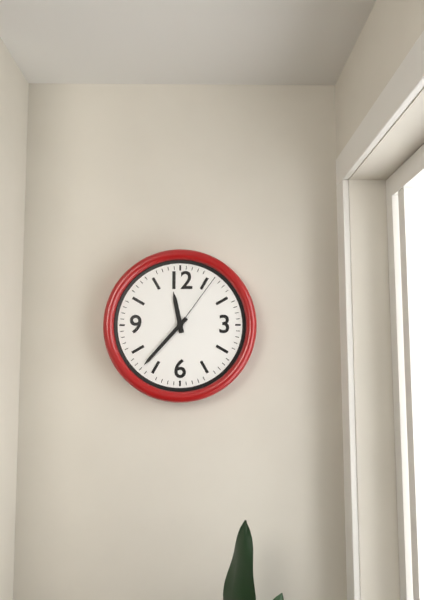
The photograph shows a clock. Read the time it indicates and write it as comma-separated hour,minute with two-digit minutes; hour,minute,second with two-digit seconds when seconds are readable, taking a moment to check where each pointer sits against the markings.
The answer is 11,37,06
